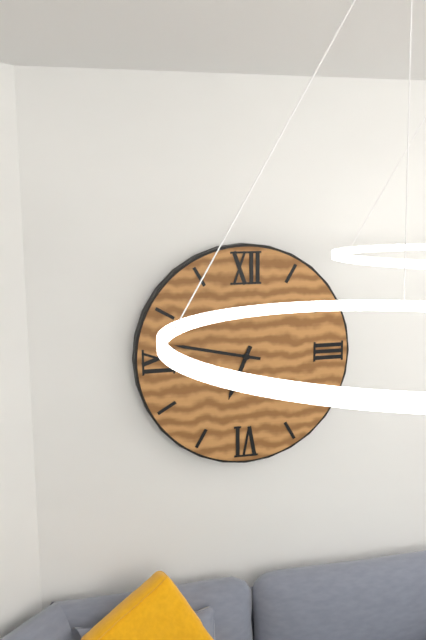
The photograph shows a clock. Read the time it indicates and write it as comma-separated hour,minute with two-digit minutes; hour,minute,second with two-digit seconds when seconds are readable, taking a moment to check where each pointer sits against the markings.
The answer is 6,47
